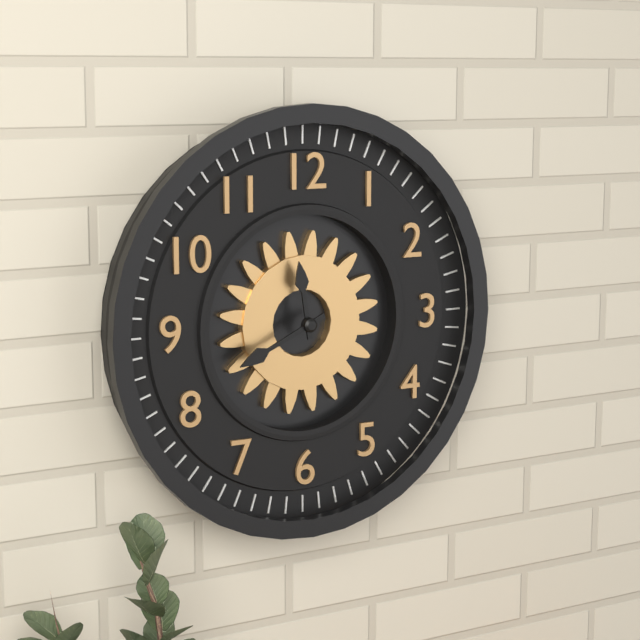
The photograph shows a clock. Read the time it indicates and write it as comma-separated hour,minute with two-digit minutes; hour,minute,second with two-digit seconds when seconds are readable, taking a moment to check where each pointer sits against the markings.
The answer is 11,41
